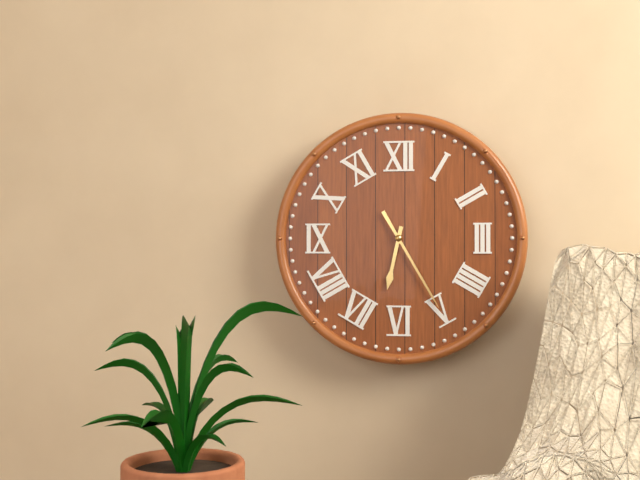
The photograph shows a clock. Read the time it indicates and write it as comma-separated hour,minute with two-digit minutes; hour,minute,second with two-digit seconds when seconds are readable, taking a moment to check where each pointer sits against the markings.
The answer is 6,25
